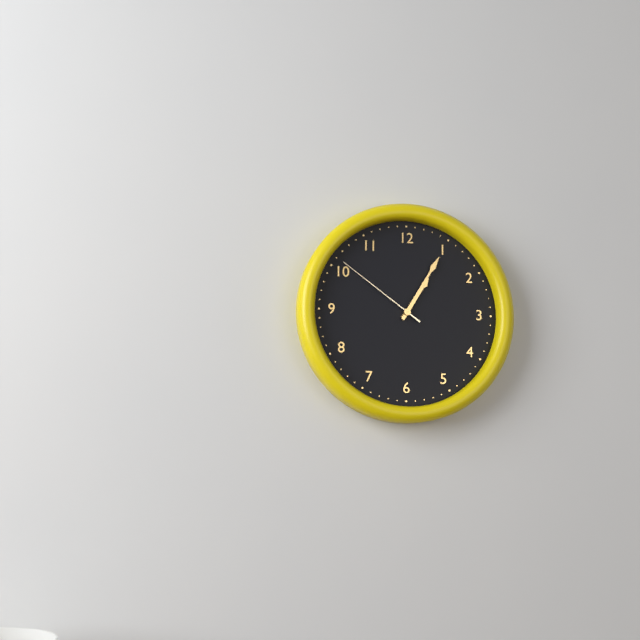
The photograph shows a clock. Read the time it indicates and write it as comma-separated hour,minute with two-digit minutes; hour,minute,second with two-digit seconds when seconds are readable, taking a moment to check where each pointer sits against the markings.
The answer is 1,05,51
